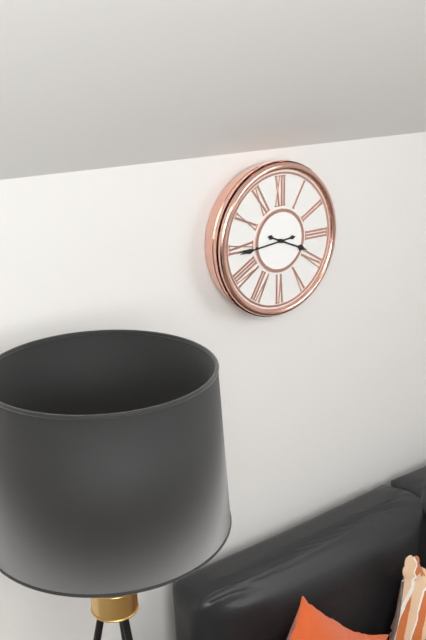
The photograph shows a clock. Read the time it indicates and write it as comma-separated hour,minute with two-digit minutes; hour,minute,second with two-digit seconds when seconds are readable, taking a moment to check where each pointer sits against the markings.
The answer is 3,44
